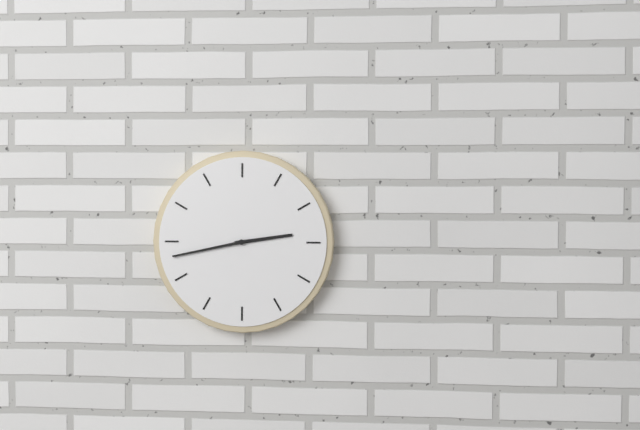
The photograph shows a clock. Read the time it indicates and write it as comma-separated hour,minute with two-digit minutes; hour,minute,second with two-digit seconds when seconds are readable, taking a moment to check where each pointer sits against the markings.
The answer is 2,43
